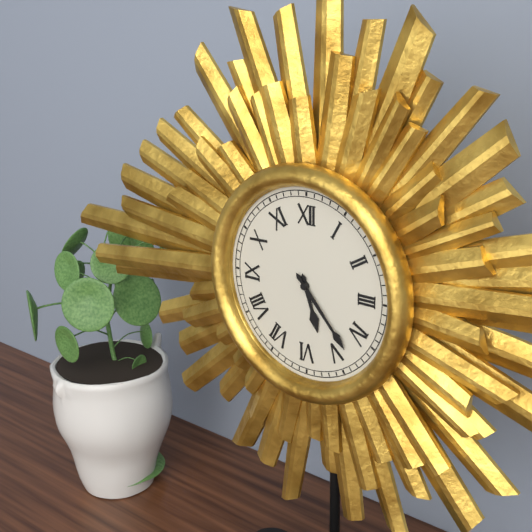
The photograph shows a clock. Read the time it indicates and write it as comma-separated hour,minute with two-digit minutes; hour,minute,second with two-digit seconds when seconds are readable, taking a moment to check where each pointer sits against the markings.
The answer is 5,23
